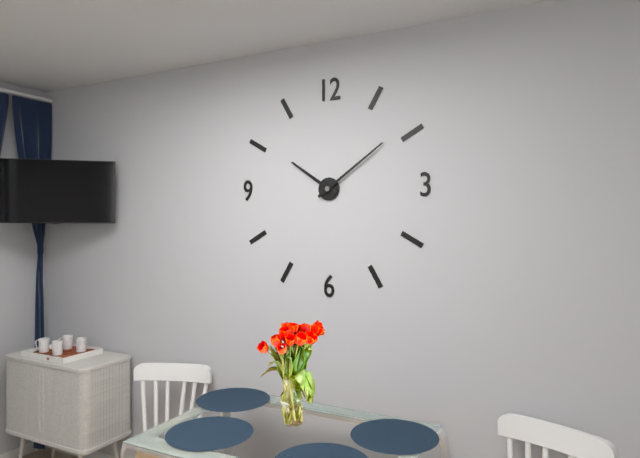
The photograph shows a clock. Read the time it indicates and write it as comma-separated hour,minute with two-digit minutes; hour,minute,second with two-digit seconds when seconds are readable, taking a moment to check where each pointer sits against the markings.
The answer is 10,09
